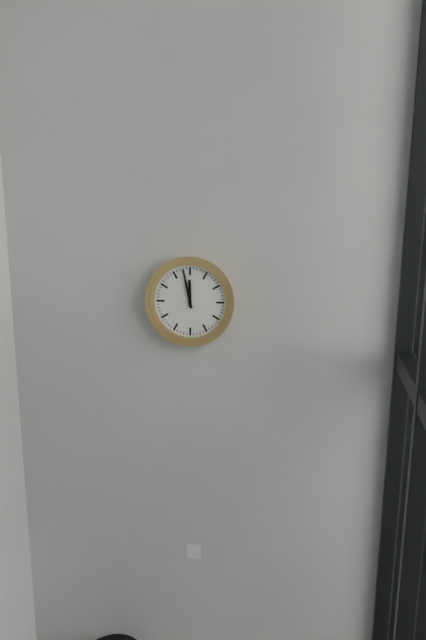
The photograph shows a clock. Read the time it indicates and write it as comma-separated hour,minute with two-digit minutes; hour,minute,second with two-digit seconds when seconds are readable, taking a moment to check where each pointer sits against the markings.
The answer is 11,58
